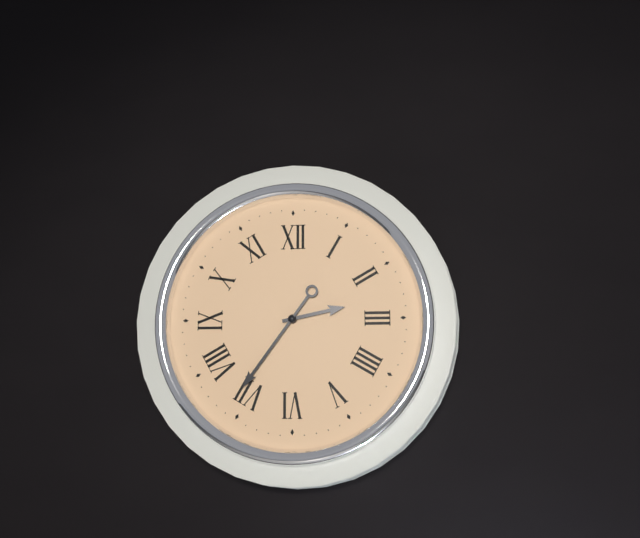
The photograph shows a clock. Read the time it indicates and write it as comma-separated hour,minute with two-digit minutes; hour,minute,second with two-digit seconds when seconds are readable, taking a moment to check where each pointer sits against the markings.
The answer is 2,36
